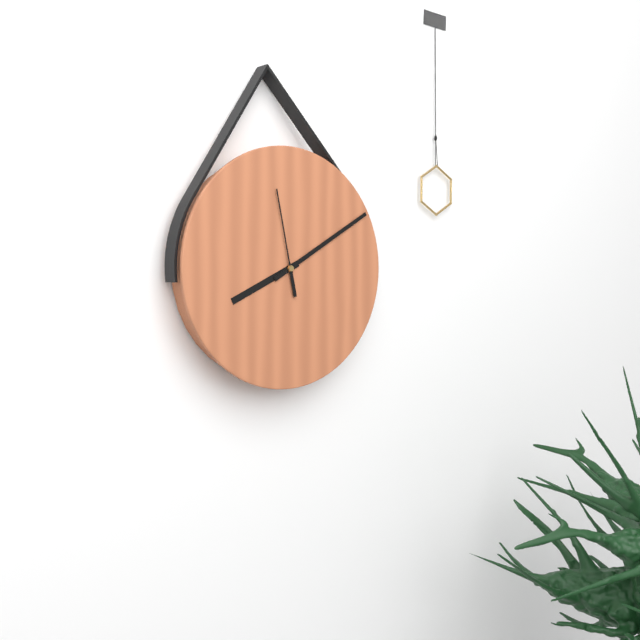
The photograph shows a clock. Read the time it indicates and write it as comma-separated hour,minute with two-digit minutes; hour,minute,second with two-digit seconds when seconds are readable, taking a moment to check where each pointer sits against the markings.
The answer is 8,10,58
